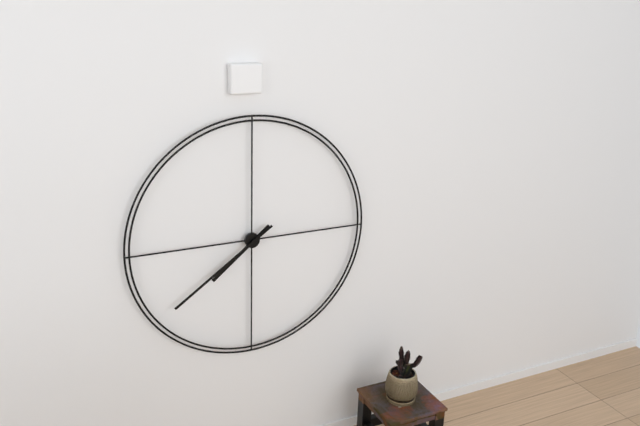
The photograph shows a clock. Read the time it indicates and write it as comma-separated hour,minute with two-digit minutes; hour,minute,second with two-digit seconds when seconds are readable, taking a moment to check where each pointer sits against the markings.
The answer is 7,39
